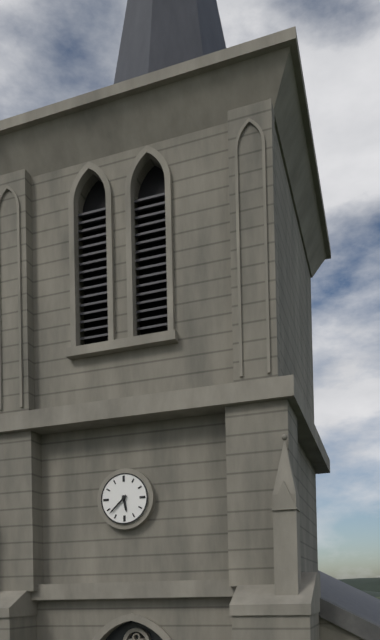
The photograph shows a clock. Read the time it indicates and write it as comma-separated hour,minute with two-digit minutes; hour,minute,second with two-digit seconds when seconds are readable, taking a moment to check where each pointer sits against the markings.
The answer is 5,38
